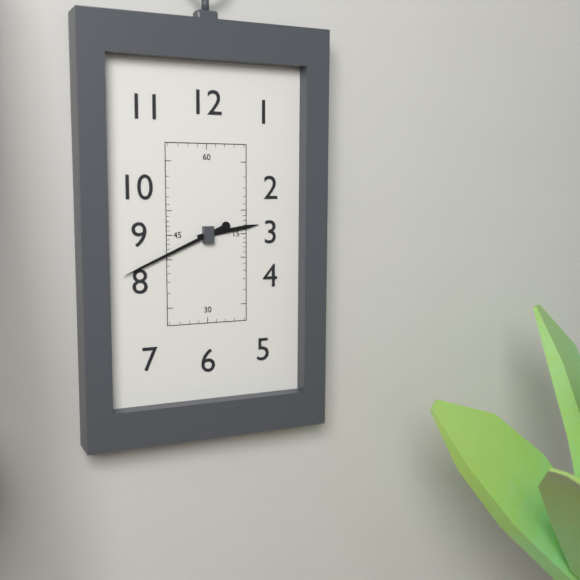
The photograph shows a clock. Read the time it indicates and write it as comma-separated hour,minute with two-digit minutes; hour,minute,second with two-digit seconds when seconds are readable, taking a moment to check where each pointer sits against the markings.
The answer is 2,41
